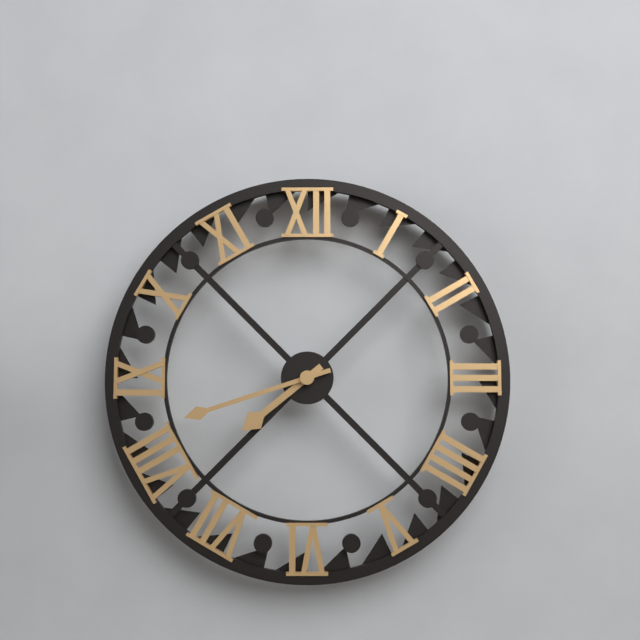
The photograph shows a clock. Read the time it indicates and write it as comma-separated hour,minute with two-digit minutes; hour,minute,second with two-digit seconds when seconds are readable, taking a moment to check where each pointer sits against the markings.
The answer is 7,42
